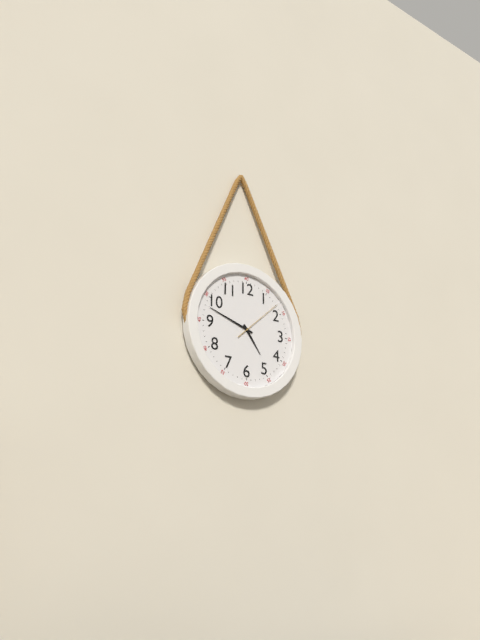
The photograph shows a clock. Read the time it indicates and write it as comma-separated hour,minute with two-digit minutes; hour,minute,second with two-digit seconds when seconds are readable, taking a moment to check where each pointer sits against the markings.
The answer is 4,48
